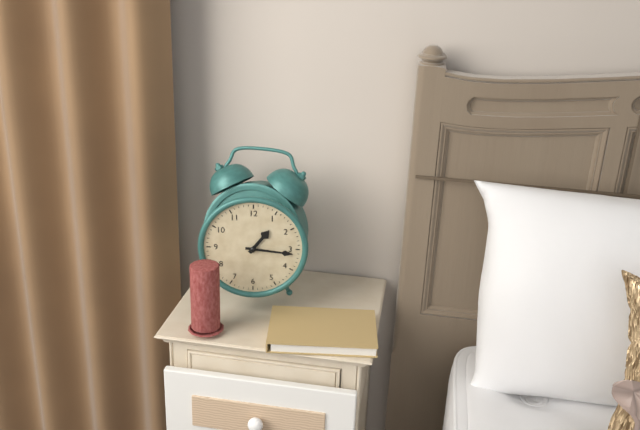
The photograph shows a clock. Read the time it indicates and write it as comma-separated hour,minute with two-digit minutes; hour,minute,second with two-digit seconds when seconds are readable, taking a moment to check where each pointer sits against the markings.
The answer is 1,16
